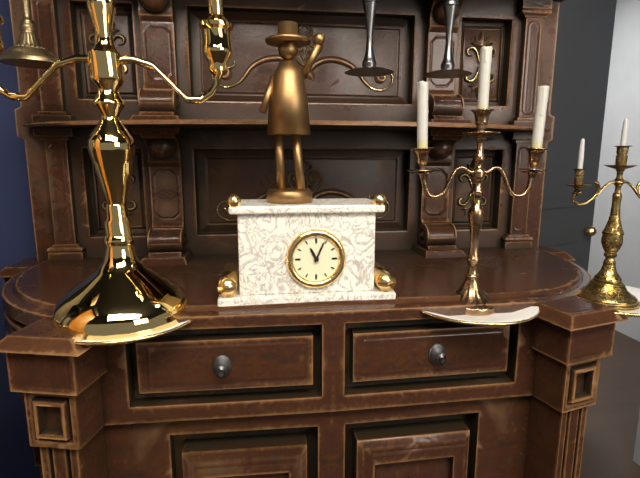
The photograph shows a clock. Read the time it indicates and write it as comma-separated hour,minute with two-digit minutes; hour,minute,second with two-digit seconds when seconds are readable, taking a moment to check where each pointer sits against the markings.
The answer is 11,04
